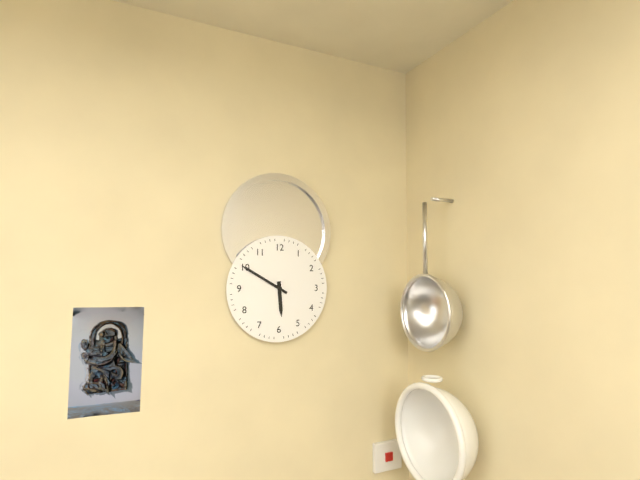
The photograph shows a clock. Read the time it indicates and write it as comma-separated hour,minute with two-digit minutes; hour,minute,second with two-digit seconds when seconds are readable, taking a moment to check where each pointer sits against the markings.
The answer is 5,50
